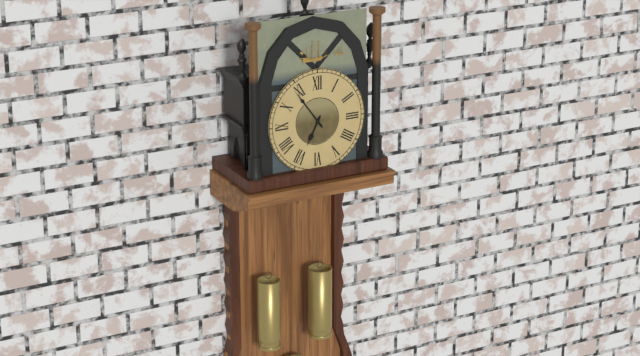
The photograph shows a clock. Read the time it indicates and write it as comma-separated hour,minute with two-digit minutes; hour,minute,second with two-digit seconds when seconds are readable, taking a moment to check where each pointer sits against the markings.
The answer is 6,54
